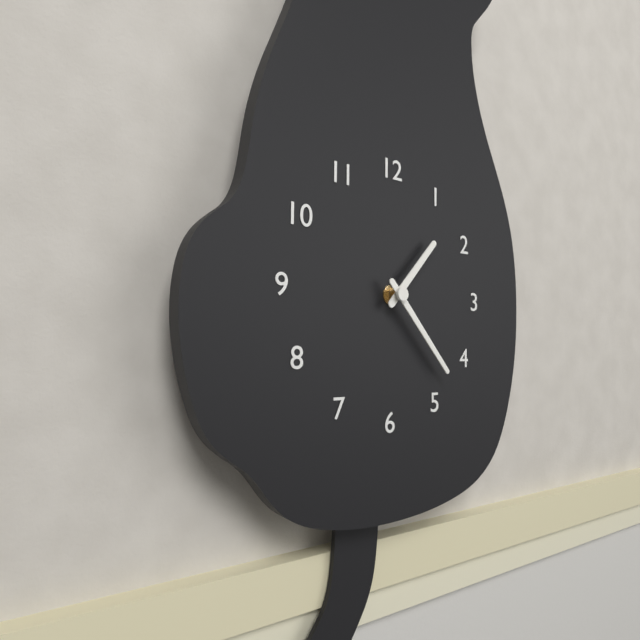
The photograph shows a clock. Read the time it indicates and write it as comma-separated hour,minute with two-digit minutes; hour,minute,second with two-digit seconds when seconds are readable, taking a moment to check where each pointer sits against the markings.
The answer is 1,23
